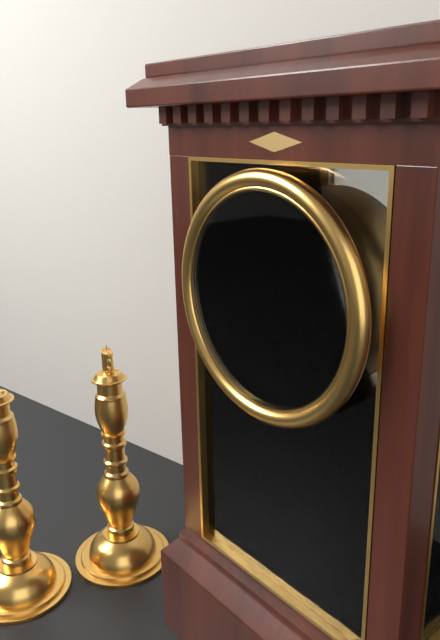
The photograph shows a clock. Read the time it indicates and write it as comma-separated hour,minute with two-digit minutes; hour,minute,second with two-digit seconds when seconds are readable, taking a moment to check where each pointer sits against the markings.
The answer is 5,29
